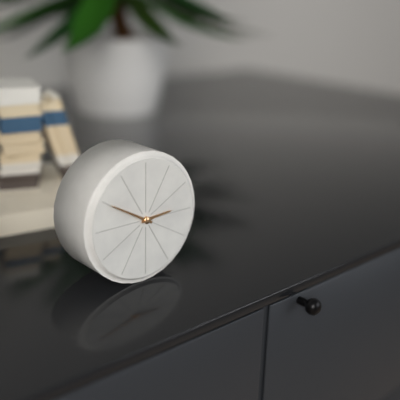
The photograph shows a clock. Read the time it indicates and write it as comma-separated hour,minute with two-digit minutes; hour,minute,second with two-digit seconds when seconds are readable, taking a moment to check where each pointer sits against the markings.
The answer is 2,50
